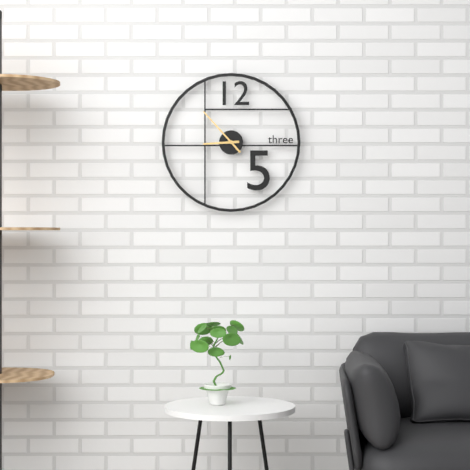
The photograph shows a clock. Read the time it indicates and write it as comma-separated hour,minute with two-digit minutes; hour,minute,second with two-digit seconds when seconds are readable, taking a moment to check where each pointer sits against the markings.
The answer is 8,53
